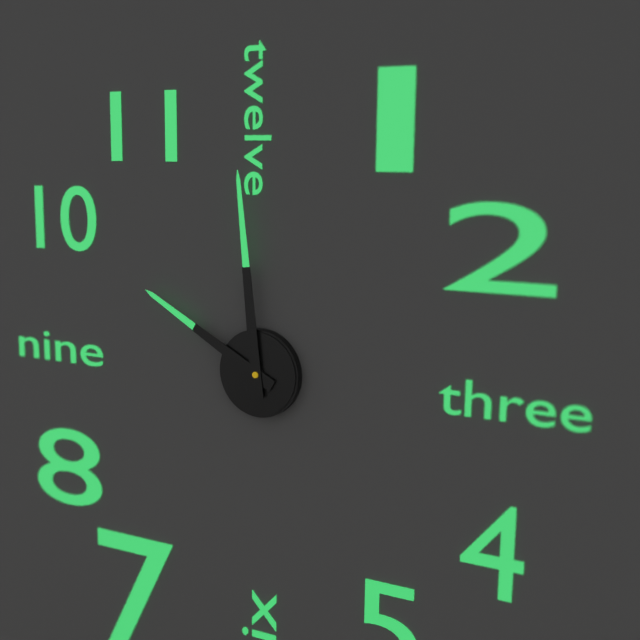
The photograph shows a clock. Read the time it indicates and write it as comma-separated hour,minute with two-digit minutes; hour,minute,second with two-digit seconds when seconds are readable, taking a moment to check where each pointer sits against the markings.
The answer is 9,59
